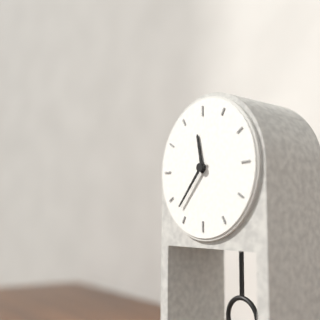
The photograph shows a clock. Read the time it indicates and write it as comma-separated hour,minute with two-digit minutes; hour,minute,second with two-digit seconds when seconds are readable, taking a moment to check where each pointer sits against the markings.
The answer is 11,37
